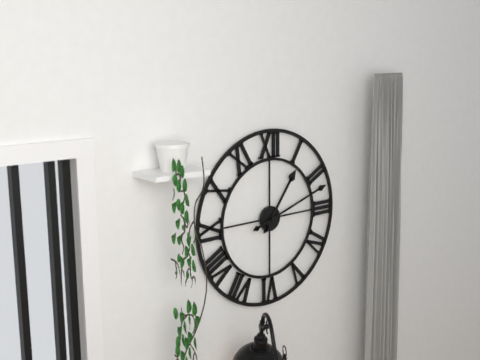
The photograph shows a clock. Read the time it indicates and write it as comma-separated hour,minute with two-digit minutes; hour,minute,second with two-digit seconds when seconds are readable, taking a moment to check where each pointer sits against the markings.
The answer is 1,12
